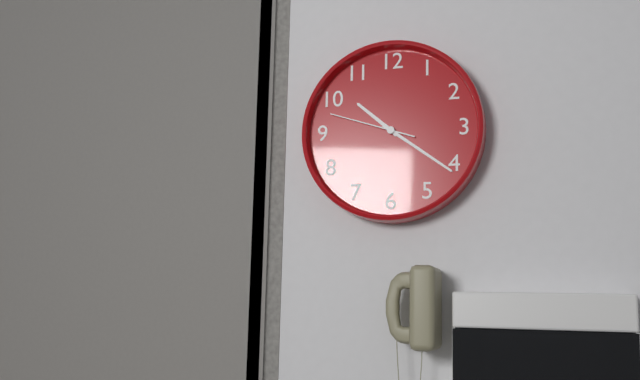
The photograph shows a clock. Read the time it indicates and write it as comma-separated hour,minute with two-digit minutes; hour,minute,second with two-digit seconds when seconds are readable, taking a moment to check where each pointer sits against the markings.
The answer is 10,21,48
